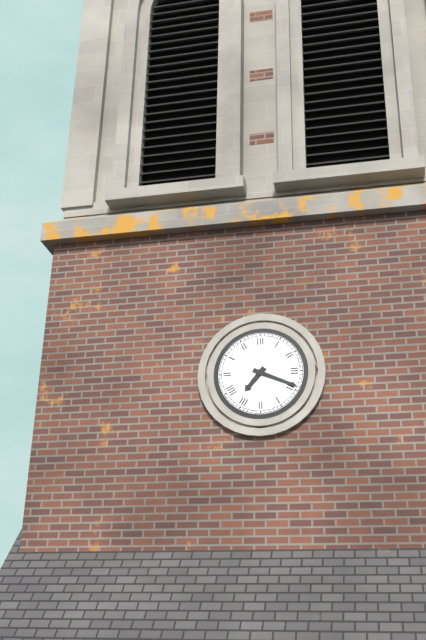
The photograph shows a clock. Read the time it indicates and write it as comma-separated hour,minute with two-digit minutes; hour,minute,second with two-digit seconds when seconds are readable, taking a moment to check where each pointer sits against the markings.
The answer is 7,19
